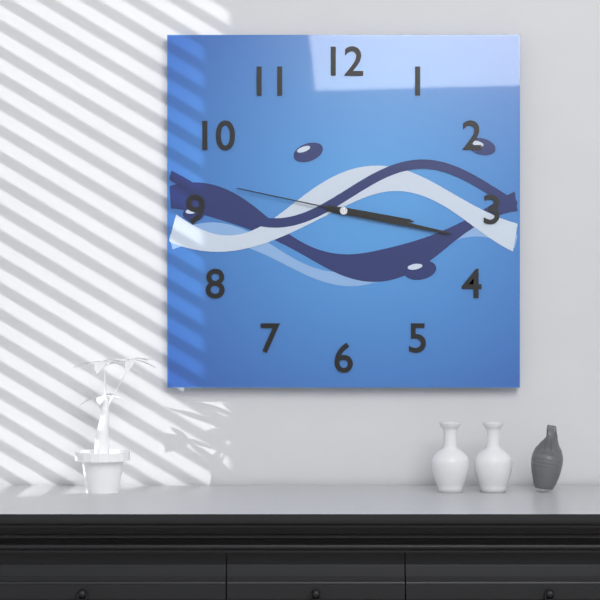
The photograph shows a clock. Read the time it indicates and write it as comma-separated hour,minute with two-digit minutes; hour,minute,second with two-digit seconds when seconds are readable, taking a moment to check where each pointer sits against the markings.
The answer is 3,17,47
